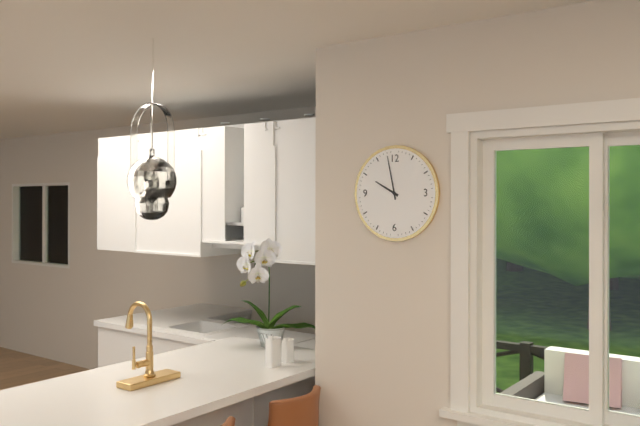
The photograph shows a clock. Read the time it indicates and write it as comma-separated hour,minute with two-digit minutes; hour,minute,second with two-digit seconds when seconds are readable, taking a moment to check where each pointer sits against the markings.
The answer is 9,58
